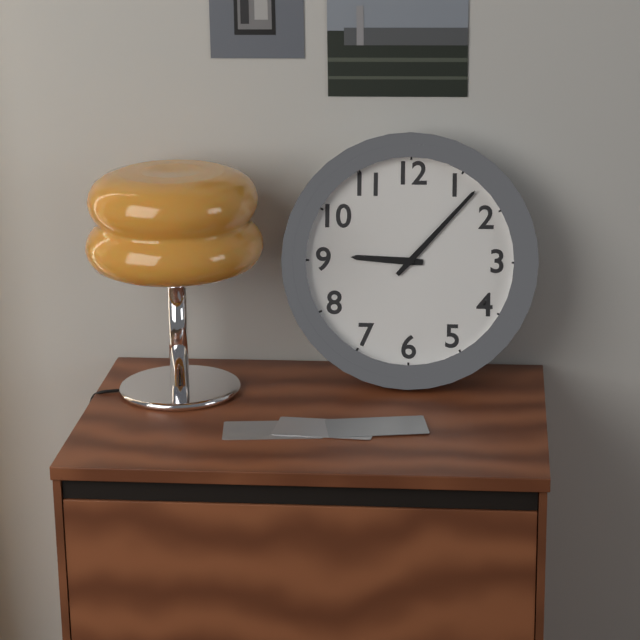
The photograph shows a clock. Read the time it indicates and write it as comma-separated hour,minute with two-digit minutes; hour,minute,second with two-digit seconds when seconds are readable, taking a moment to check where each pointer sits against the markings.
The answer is 9,07
